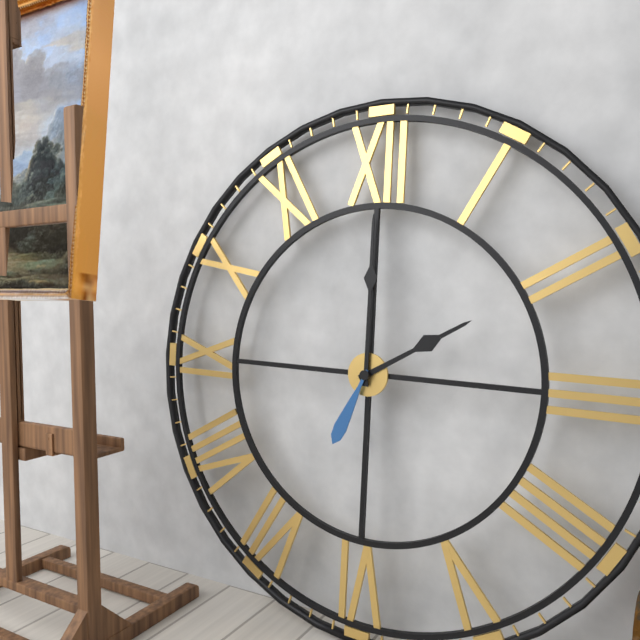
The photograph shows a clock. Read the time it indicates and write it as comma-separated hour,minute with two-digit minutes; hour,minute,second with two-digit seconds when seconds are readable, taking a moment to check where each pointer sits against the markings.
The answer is 2,00,34
